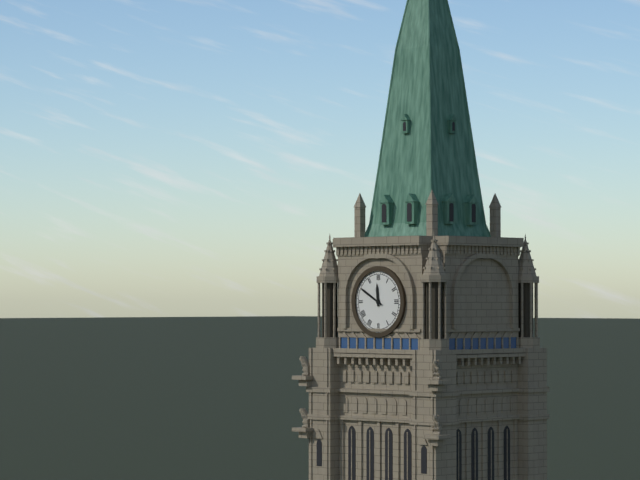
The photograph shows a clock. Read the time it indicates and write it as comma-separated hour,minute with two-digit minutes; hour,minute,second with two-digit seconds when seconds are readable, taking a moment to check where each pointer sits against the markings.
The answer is 11,50
